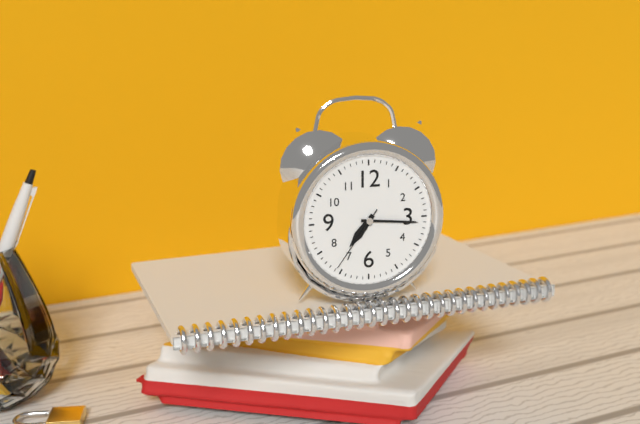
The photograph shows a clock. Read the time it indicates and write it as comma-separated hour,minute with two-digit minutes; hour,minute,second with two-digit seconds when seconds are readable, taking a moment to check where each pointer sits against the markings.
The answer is 7,16,36
